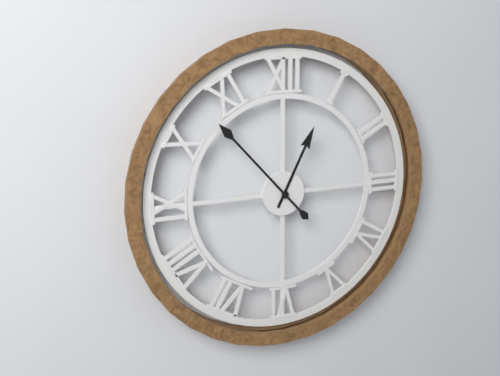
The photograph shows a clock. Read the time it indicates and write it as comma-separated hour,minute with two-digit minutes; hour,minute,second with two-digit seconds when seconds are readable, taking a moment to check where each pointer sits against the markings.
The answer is 12,53
